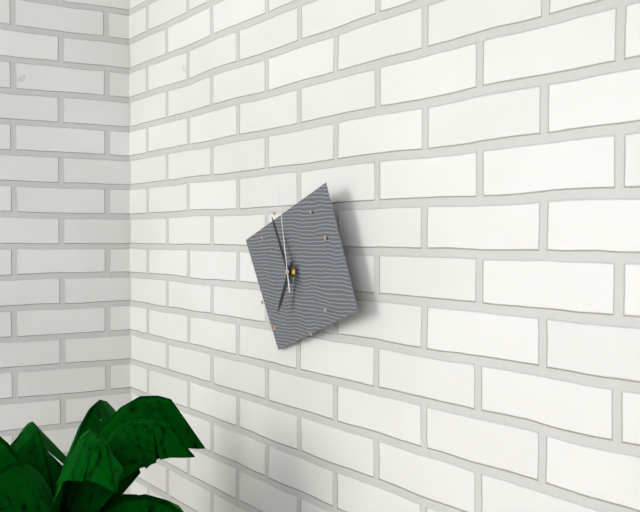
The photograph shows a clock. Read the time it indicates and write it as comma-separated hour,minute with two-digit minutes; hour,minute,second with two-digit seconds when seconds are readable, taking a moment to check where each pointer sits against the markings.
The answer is 6,55,58
